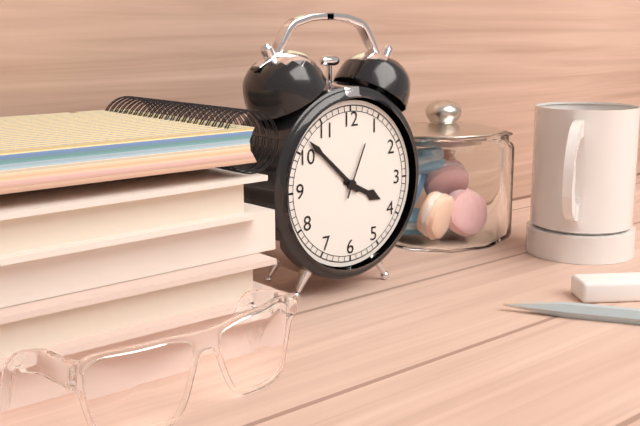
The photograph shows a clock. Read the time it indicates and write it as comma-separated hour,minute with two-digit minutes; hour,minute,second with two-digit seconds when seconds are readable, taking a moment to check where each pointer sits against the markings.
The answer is 3,52,04
